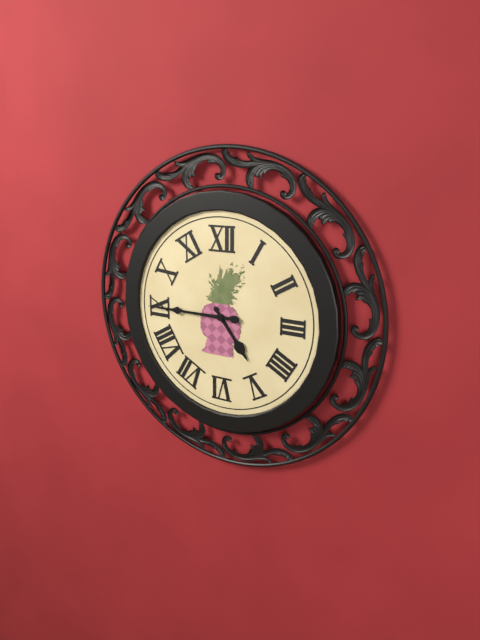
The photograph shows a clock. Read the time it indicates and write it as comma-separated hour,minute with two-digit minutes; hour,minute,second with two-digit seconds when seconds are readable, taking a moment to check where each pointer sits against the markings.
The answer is 4,45
